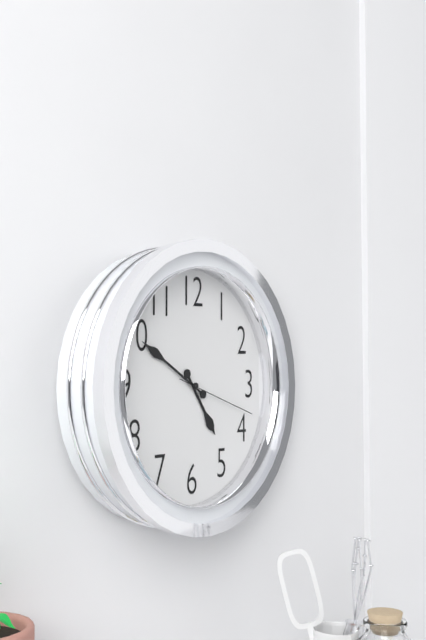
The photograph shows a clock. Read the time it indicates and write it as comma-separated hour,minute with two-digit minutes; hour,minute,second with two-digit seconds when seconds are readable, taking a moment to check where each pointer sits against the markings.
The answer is 4,50,18
